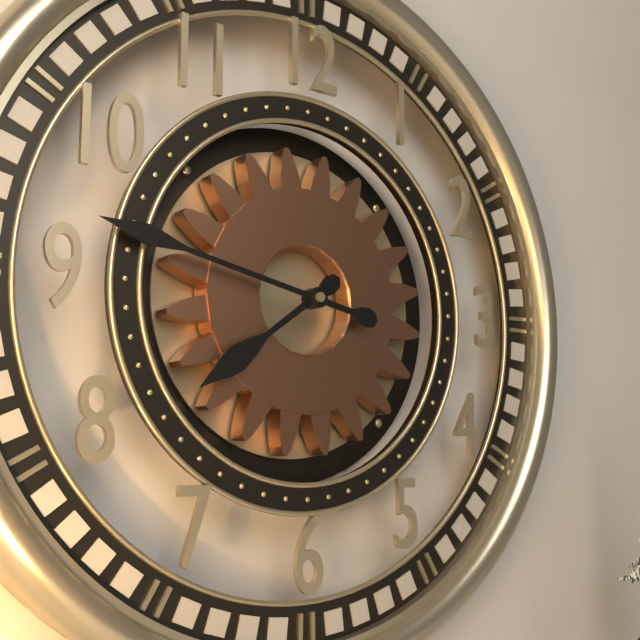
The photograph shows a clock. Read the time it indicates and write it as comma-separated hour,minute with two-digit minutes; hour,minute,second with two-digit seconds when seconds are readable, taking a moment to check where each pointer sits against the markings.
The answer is 7,47
